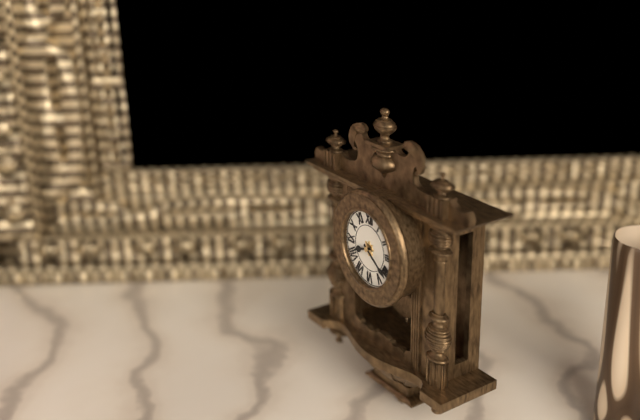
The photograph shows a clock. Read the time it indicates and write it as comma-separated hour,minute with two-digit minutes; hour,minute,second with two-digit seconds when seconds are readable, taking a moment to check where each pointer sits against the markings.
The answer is 8,21
